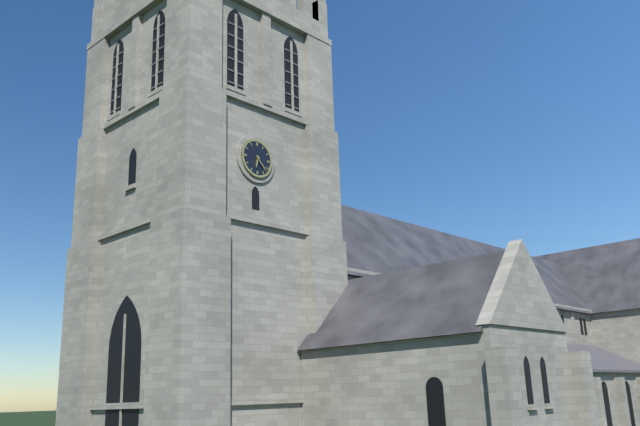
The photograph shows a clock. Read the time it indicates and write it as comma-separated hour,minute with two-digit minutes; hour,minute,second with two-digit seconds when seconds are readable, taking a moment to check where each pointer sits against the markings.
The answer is 6,23
